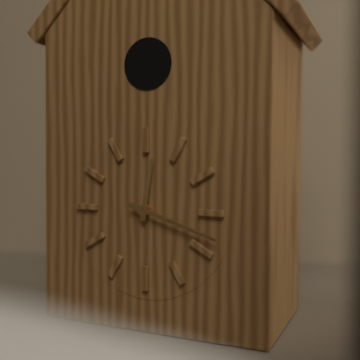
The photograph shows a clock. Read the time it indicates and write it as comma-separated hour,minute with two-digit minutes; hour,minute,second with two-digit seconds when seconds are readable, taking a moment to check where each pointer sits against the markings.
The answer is 12,18
